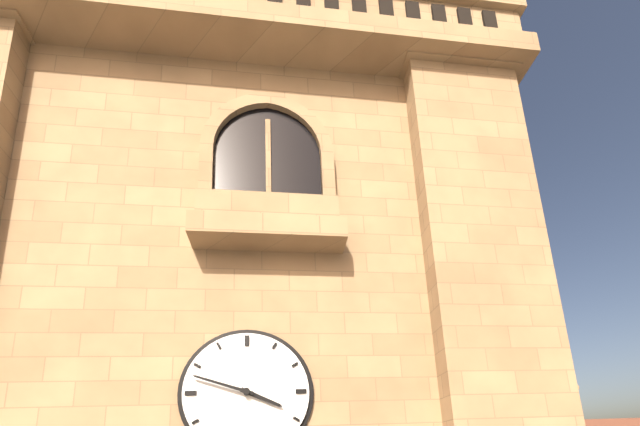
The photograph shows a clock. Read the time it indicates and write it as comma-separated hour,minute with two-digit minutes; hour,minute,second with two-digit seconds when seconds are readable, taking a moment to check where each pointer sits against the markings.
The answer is 3,48
